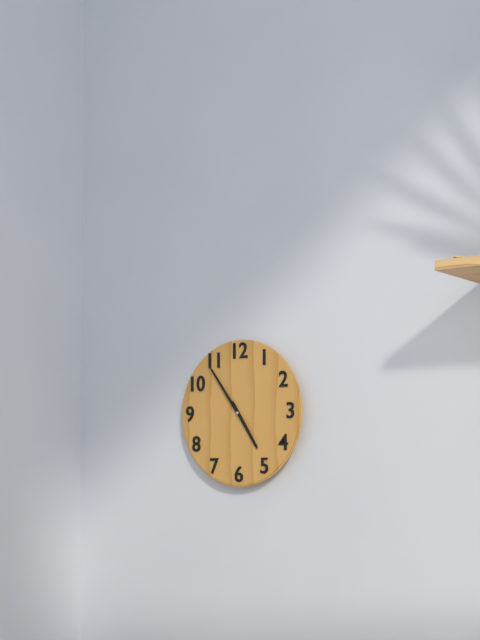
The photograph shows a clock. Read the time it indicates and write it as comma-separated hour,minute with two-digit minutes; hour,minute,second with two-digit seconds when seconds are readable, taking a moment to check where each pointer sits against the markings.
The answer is 4,54
